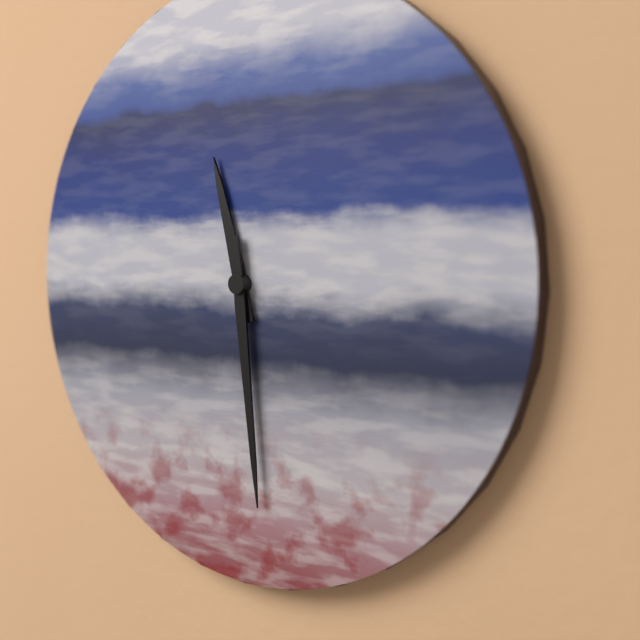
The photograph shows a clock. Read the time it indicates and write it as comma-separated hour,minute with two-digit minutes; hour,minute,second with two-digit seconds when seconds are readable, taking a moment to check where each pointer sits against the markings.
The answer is 11,29
